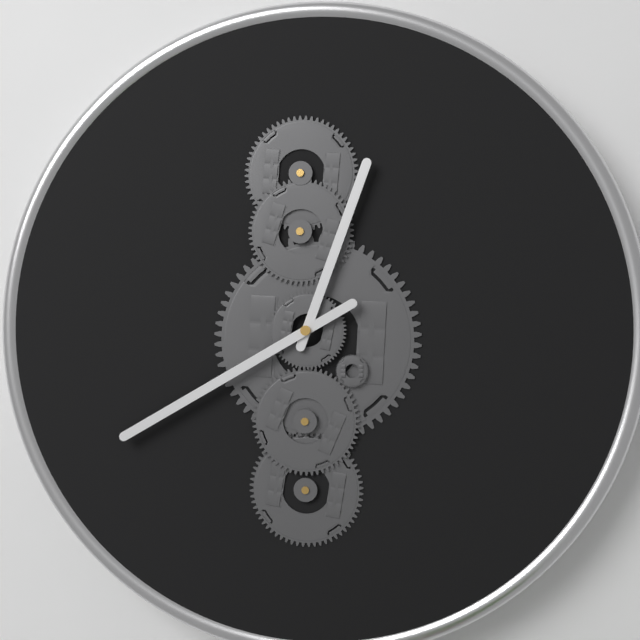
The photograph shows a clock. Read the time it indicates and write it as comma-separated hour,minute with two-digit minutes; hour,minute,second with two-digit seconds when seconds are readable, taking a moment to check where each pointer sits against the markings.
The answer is 12,40
